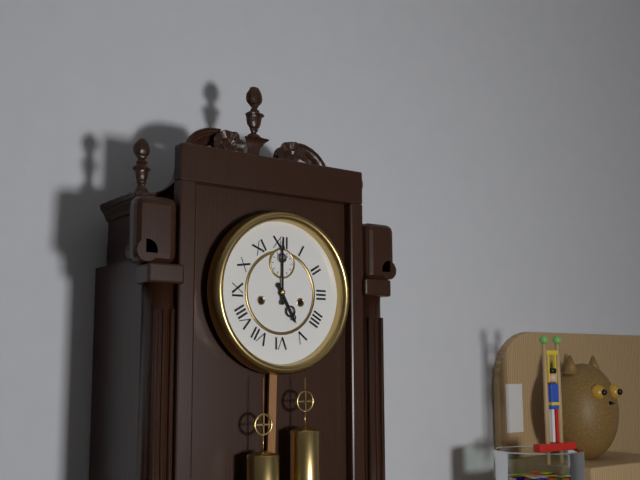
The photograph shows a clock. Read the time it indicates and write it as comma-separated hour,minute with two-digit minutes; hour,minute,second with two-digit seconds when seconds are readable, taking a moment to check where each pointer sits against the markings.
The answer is 5,00
